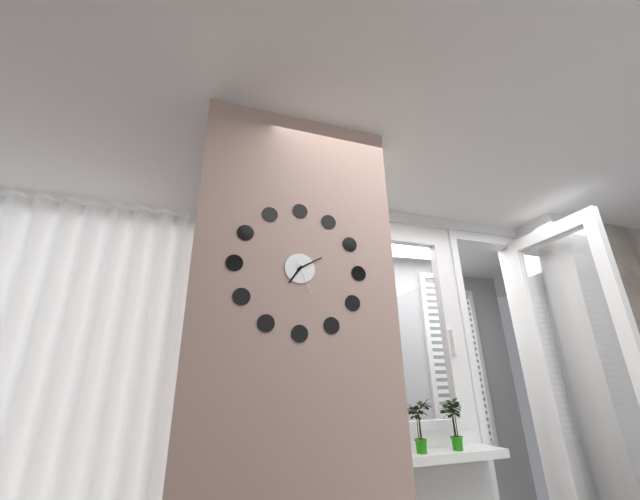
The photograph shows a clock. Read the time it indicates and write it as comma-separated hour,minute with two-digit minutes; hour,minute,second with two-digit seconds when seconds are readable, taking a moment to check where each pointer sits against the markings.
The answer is 7,10
